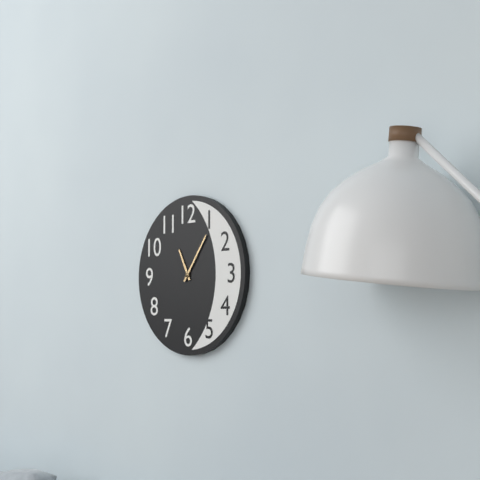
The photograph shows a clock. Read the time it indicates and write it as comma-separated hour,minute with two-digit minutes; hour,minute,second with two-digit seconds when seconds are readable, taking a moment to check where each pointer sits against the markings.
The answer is 11,06
